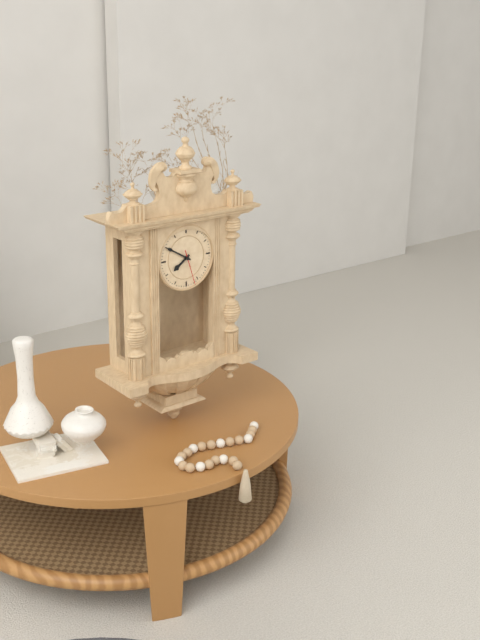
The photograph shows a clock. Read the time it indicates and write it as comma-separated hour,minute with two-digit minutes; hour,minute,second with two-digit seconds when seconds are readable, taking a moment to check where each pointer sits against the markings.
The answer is 7,50
